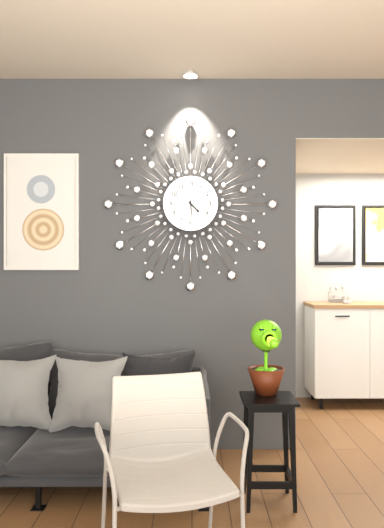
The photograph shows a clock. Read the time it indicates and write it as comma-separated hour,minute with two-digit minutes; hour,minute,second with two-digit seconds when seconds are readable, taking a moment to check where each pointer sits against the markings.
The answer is 4,29
